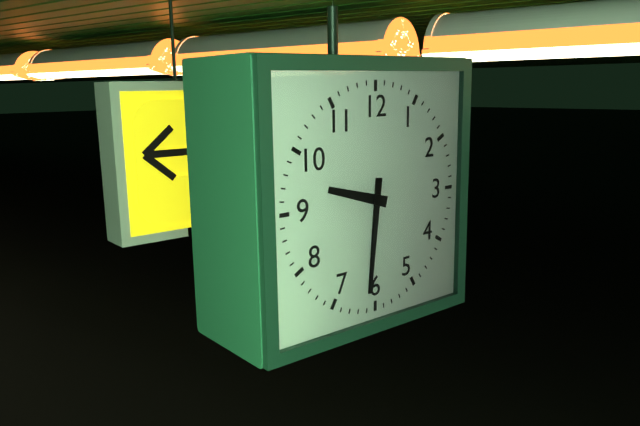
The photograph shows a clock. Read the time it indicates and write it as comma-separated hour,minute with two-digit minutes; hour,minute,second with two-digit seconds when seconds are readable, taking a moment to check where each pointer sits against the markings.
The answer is 9,31
